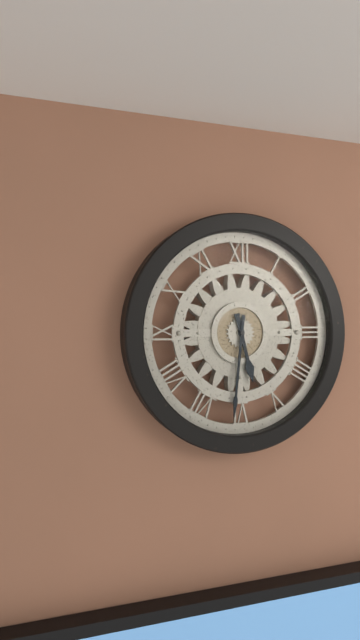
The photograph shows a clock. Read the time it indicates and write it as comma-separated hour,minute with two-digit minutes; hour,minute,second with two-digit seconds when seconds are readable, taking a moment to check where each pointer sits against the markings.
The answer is 5,31
